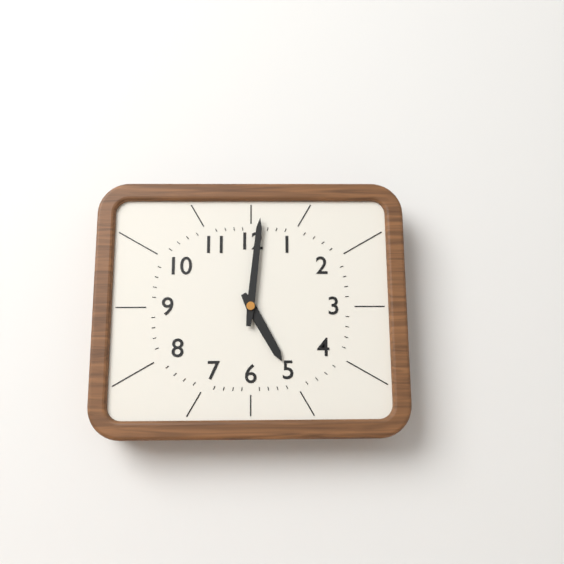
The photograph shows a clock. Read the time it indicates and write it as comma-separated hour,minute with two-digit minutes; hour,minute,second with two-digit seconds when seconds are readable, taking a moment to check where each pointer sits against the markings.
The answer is 5,01
